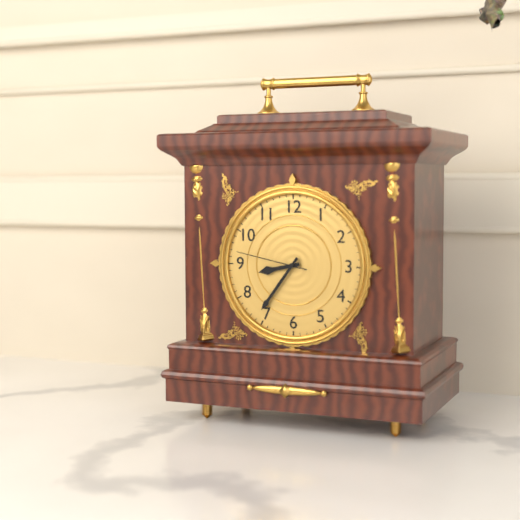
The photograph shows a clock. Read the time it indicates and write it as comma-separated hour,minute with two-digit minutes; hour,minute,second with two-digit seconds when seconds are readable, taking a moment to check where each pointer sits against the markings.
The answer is 8,36,47
